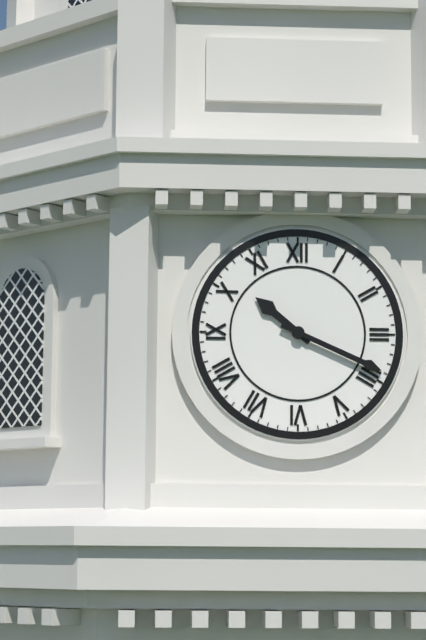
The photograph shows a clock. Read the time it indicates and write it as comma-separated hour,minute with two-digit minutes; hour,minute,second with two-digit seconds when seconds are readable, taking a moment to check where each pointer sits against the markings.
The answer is 10,19
